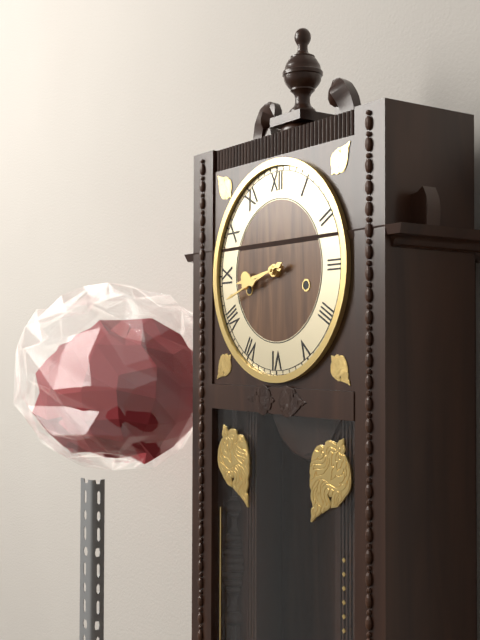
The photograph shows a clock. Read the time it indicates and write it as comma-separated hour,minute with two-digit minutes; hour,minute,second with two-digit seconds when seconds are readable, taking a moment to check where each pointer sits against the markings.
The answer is 8,42
